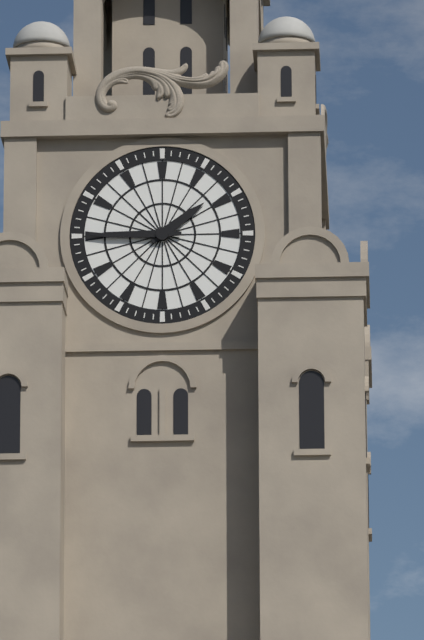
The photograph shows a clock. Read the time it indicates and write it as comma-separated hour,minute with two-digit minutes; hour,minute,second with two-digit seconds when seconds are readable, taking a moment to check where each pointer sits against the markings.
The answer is 1,45
